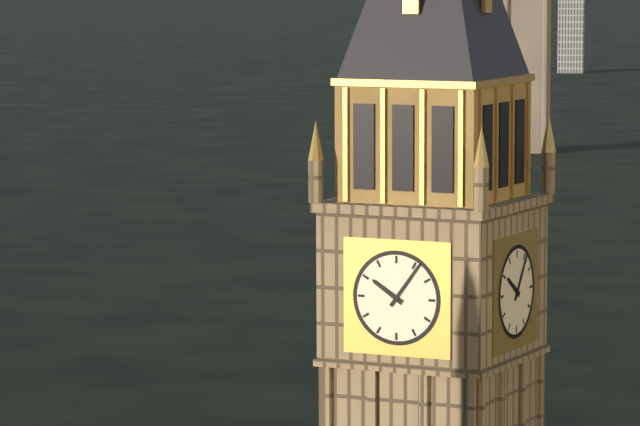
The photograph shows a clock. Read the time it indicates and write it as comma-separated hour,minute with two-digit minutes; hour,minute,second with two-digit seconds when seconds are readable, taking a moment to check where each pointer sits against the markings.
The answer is 10,06
